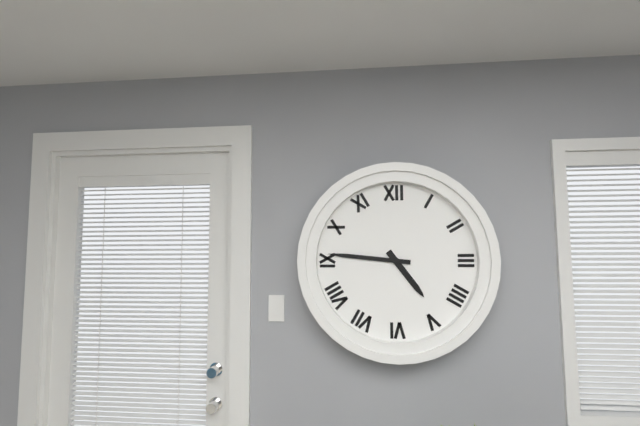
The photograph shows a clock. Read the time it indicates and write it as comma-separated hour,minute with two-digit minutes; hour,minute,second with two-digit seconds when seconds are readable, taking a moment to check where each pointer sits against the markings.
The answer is 4,46
